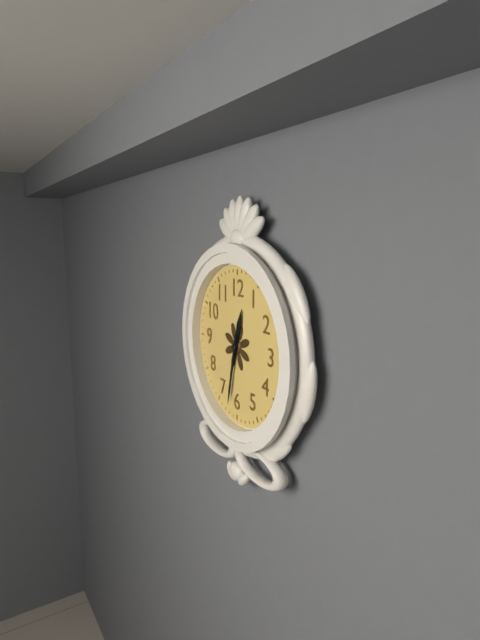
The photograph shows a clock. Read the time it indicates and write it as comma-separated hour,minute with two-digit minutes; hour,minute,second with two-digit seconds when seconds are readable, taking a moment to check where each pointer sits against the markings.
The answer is 12,32
